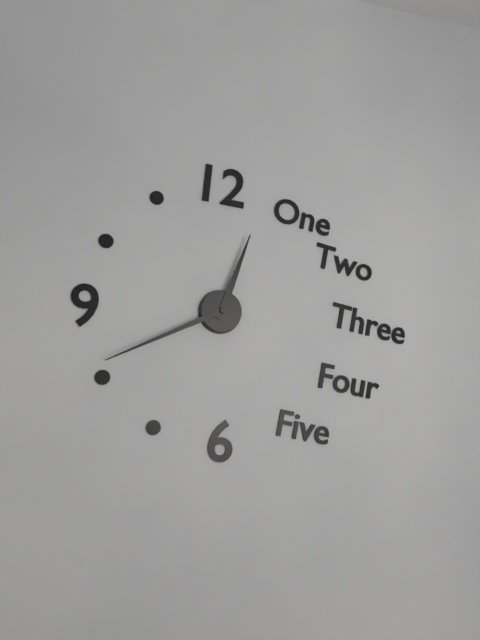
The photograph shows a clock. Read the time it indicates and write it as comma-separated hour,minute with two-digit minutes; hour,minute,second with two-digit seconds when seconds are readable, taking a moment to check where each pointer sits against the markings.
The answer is 12,41
